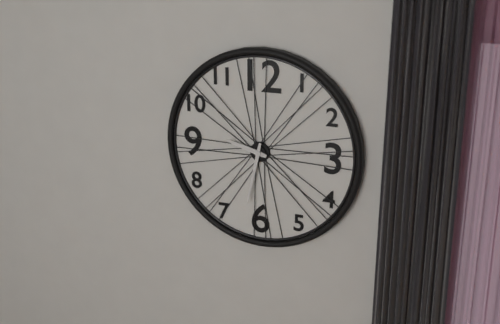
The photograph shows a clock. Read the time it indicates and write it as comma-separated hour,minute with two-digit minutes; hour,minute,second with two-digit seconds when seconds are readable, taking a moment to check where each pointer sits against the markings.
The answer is 9,32
